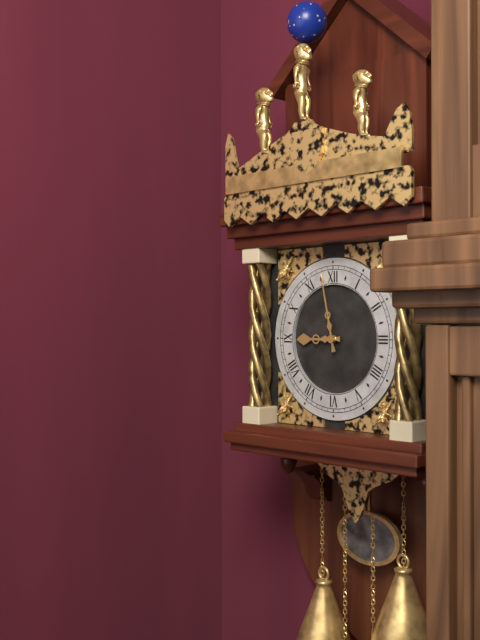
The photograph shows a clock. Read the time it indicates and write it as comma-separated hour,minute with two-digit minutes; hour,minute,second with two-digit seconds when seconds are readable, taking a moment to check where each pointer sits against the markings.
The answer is 8,58
